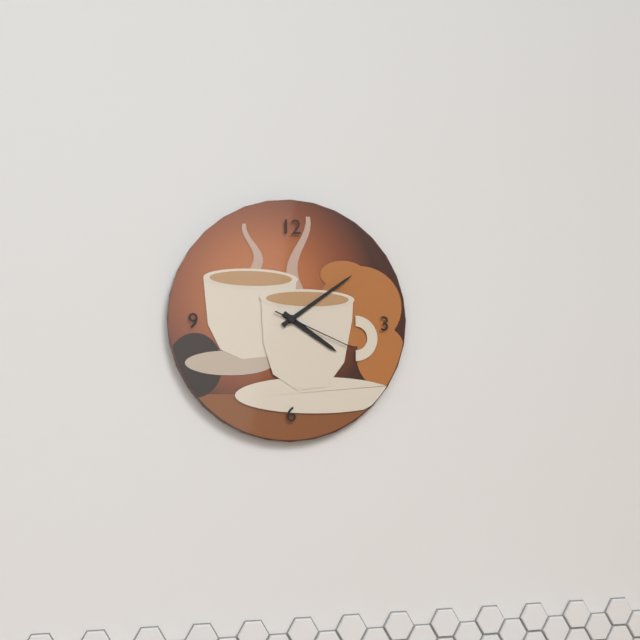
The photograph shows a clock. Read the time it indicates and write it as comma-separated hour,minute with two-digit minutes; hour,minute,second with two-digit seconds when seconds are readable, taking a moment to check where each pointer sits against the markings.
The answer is 4,09,19
